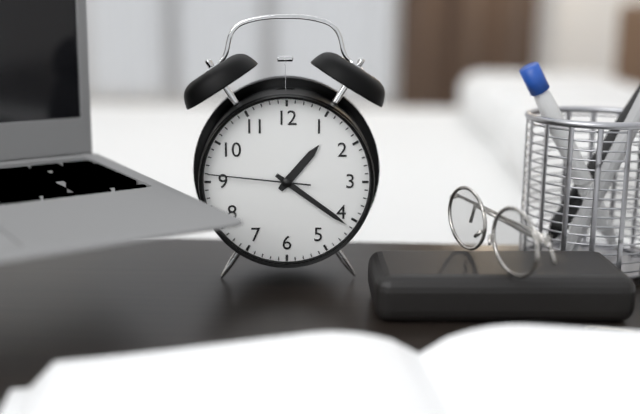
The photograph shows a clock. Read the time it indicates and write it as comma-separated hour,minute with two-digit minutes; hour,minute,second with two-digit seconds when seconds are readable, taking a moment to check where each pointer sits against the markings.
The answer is 1,21,46
